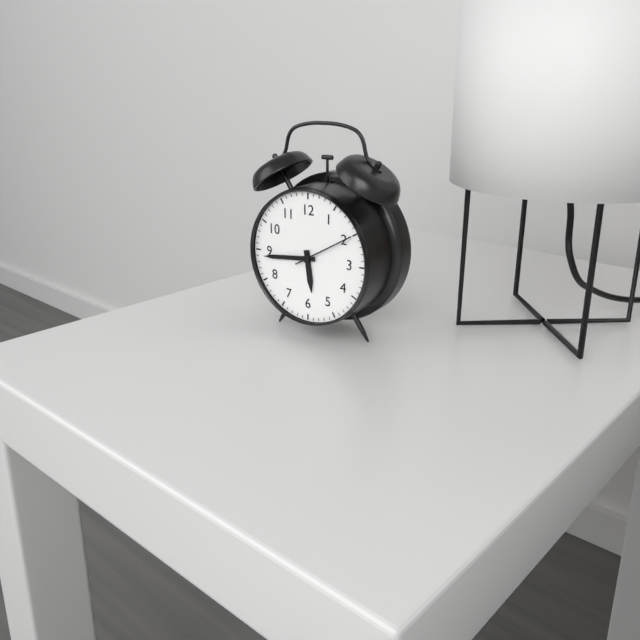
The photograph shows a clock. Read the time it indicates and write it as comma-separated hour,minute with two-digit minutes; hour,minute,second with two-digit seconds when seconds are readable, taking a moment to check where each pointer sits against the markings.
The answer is 5,44,10
